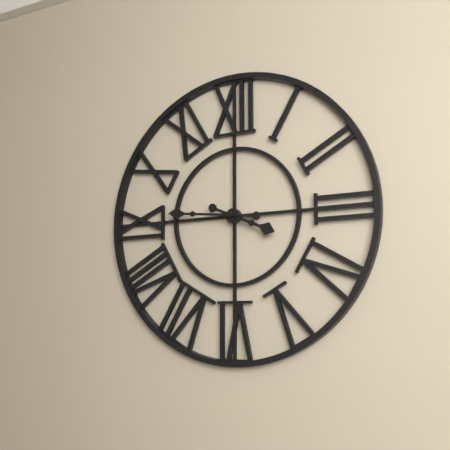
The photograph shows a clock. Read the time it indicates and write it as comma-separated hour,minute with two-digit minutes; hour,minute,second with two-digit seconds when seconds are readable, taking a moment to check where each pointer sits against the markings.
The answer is 3,46
